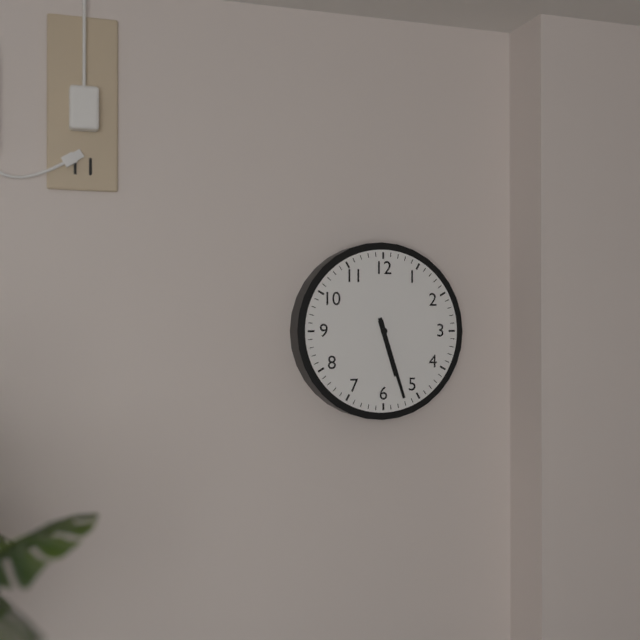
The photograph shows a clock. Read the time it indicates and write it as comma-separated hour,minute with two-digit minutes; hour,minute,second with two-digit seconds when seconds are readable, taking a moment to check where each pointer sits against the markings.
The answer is 5,27
